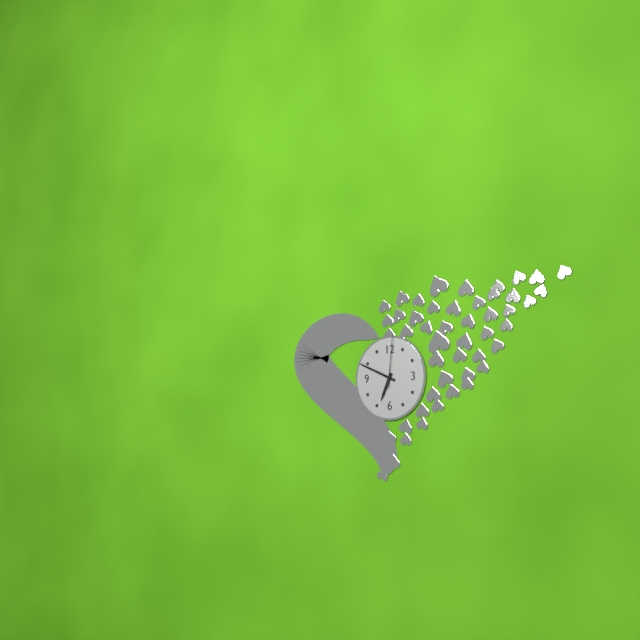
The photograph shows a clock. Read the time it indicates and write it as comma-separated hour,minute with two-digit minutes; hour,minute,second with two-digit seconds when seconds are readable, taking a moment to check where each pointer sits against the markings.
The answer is 6,49,01
